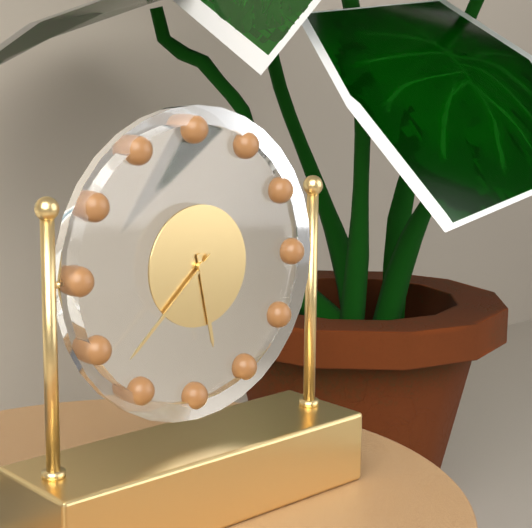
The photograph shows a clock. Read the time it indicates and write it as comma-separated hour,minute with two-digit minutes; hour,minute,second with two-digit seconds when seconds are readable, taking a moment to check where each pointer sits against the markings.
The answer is 5,38
